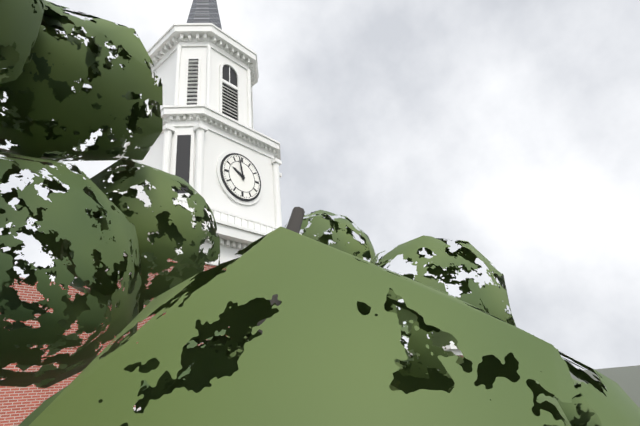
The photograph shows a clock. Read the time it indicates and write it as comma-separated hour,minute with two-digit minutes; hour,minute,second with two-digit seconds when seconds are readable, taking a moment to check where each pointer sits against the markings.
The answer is 9,58
